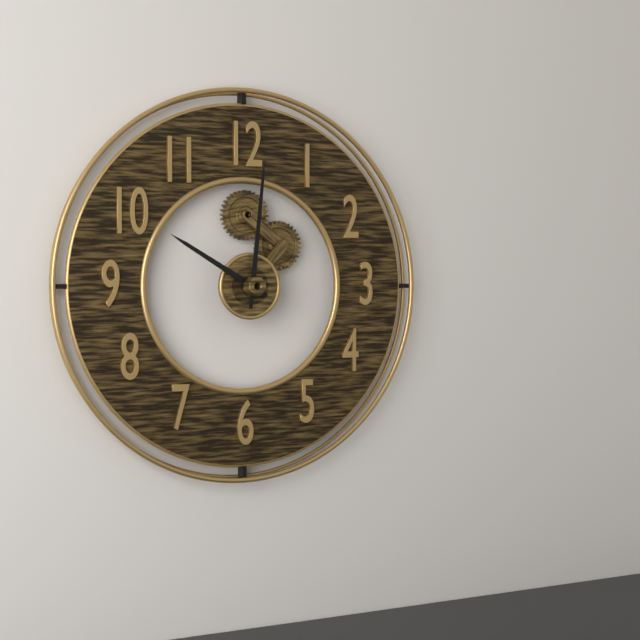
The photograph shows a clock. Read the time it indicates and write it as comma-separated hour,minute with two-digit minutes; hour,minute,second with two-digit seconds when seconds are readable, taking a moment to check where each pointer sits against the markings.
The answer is 10,01
